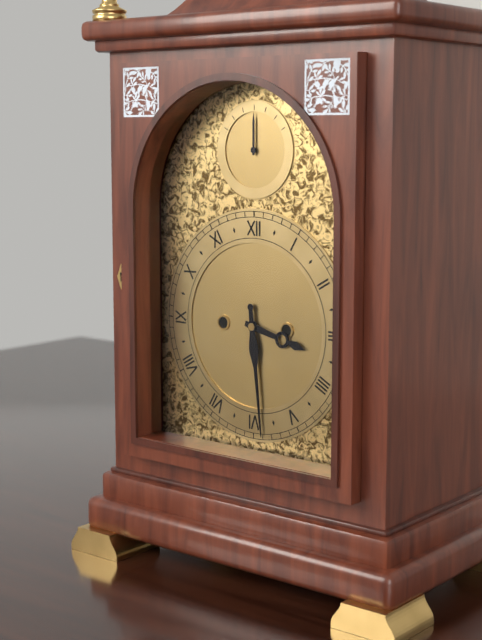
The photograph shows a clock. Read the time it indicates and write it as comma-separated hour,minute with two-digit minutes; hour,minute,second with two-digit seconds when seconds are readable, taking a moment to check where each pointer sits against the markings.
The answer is 3,29
